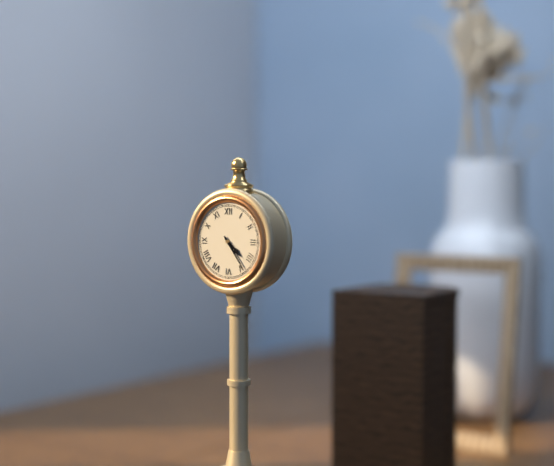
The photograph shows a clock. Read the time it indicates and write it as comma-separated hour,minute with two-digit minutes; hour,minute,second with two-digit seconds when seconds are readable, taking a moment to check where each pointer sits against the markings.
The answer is 4,24
